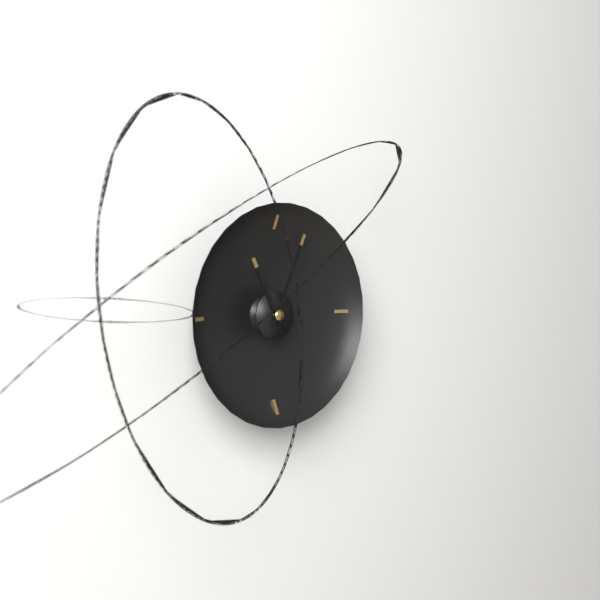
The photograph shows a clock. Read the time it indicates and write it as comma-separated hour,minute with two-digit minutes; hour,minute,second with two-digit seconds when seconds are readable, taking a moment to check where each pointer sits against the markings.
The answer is 11,04
